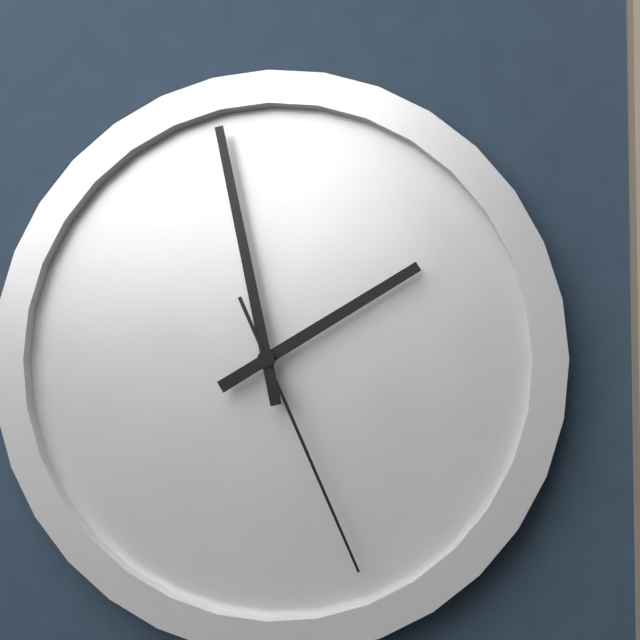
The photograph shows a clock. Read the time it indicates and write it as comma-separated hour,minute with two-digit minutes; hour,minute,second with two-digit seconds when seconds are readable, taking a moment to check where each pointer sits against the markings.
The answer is 1,58,26
